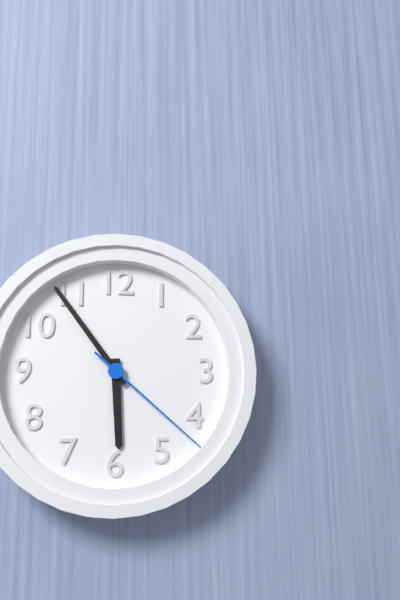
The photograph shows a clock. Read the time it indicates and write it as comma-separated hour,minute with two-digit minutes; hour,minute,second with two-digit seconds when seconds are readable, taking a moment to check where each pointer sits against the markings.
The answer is 5,54,22
